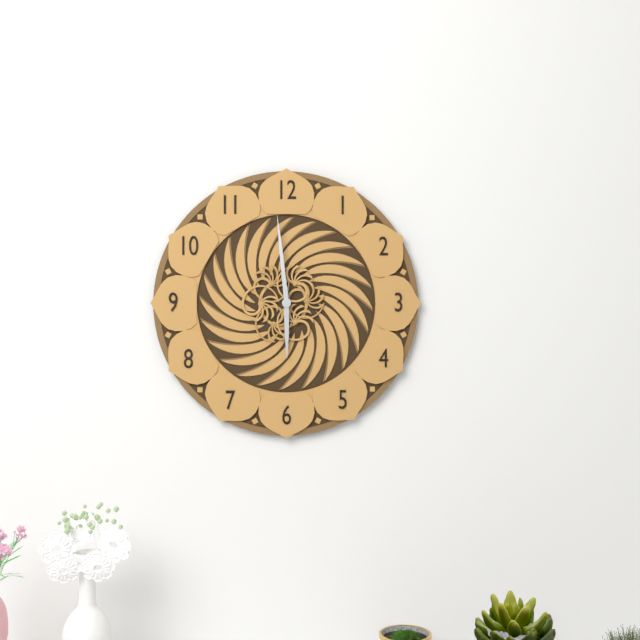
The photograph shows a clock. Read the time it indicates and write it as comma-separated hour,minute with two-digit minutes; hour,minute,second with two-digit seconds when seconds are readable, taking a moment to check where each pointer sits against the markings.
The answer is 5,59
